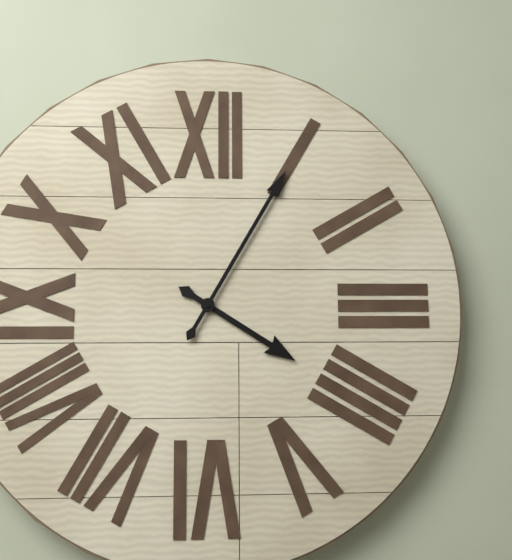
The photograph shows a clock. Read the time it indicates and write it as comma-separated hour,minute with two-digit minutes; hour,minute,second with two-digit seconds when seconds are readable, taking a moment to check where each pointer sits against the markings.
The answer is 4,05
